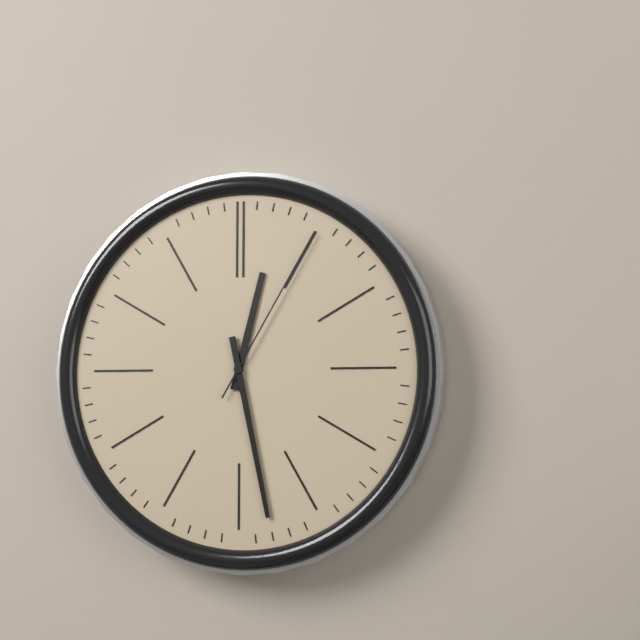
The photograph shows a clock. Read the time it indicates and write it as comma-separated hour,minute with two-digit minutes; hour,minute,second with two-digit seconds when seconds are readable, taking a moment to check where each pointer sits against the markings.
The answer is 12,28,05
